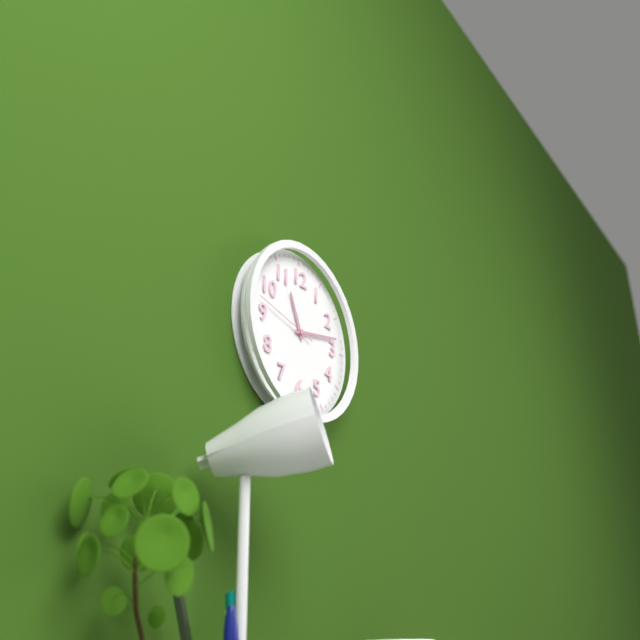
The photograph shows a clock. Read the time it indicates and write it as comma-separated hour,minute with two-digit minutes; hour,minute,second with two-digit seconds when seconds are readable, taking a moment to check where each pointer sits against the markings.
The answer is 11,13,47
